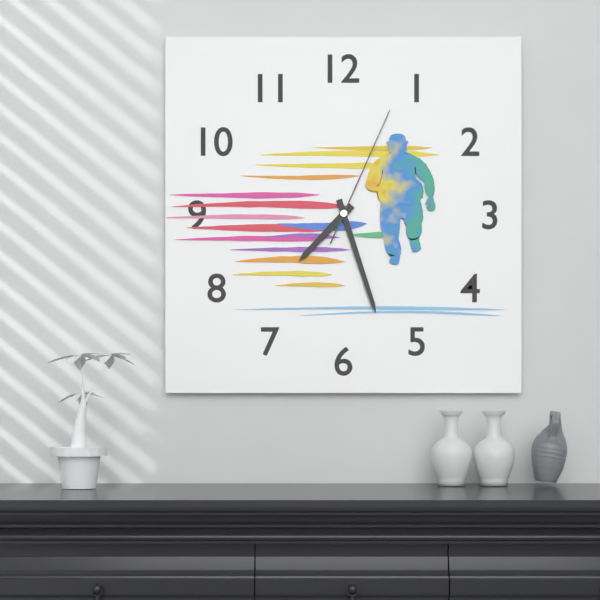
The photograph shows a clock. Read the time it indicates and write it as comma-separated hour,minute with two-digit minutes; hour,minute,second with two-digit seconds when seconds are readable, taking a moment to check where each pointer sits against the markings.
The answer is 7,27,04
